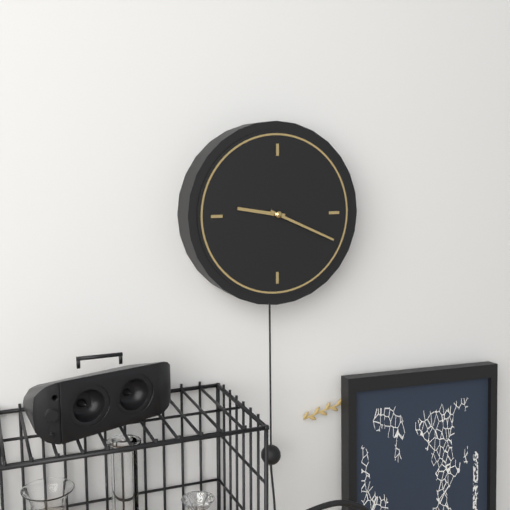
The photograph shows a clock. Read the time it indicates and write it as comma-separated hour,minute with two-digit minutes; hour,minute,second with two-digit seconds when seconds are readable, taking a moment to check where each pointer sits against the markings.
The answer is 9,19
